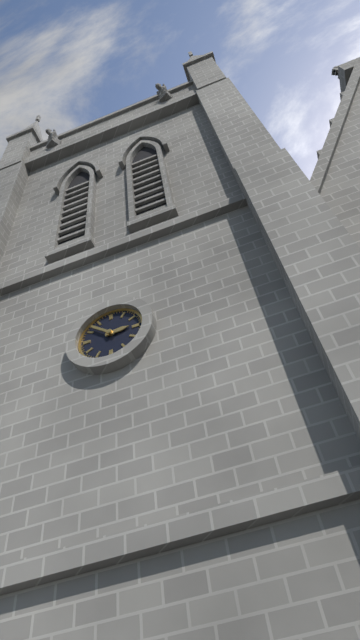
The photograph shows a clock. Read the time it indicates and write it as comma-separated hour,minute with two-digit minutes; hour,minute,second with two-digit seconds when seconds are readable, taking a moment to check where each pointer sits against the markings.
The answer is 2,52
